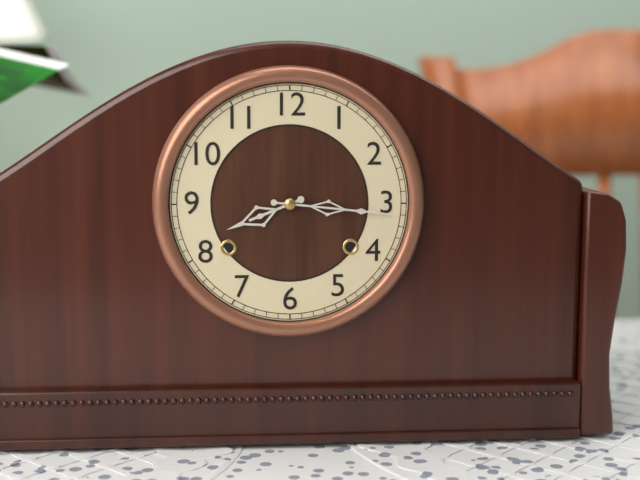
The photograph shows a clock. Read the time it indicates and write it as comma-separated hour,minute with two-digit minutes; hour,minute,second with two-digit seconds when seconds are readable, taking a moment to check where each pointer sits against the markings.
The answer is 8,16
